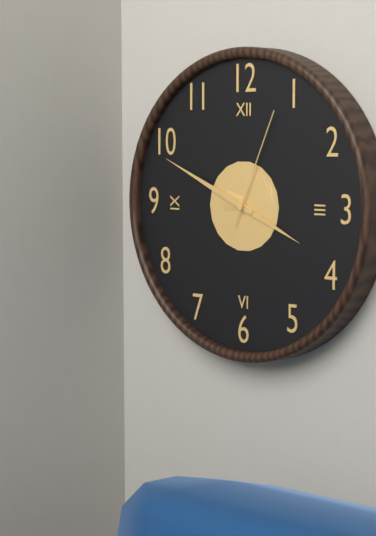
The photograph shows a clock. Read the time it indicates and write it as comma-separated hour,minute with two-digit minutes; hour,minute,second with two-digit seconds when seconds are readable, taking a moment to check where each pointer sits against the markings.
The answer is 3,49,04
